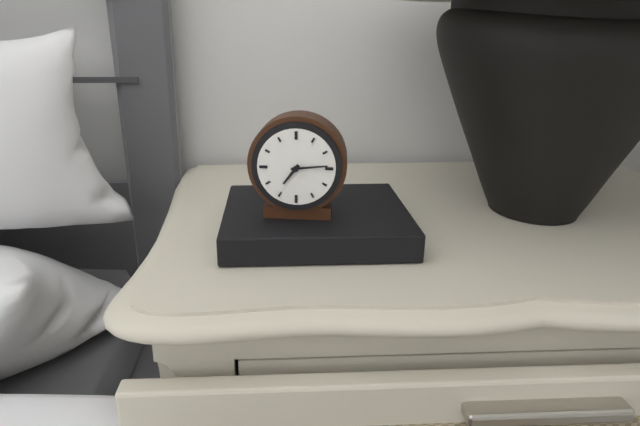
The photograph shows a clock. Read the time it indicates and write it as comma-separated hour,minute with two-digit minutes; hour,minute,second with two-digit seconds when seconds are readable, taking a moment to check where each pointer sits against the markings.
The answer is 7,14
